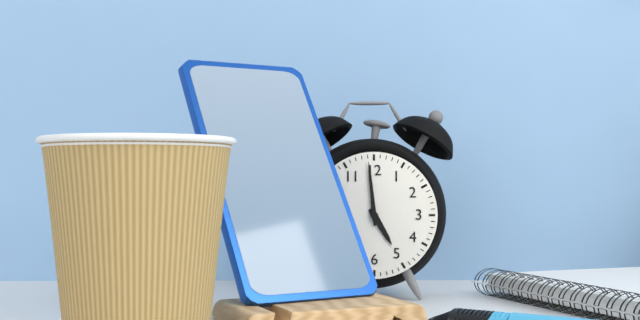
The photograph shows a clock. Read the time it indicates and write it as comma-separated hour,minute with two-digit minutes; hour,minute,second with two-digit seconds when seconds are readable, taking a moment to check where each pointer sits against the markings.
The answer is 4,59
